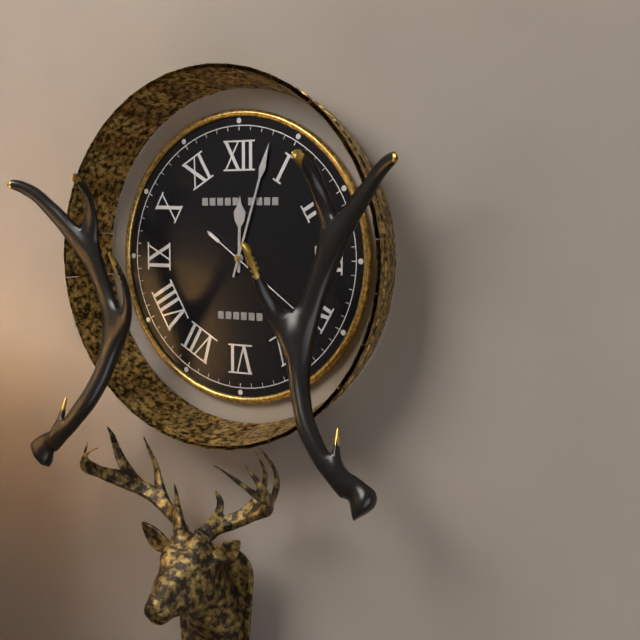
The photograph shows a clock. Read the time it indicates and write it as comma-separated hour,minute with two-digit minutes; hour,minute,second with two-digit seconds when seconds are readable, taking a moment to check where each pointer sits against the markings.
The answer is 12,03,21
